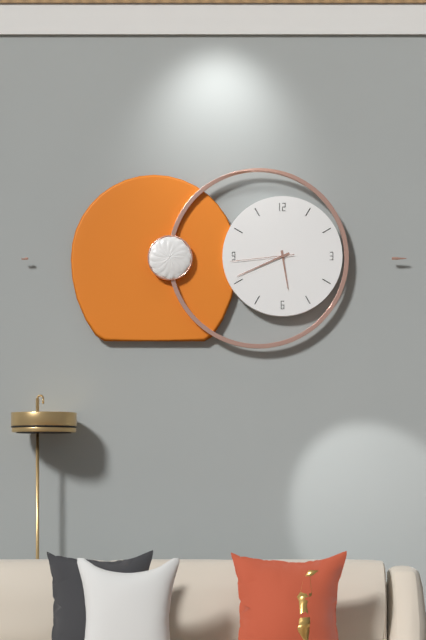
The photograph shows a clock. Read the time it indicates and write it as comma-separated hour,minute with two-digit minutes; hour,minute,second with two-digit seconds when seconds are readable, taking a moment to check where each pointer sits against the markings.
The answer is 5,41,44
